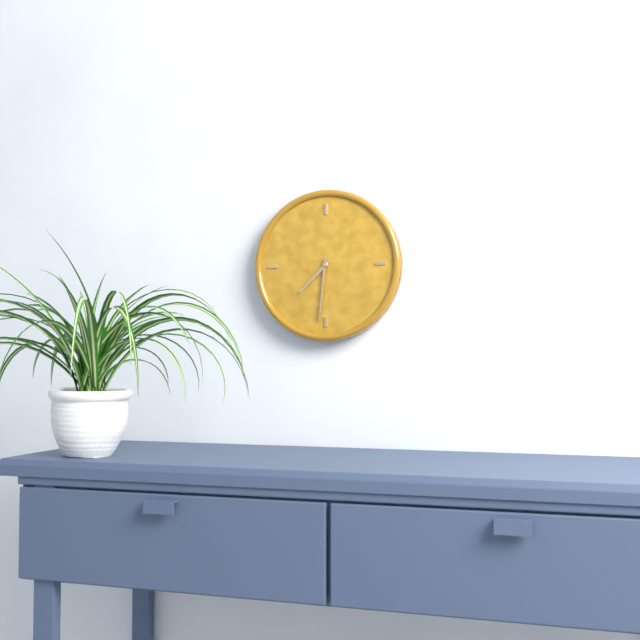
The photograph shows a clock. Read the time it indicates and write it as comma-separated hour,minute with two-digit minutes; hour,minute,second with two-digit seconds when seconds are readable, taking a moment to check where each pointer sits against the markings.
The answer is 7,31
